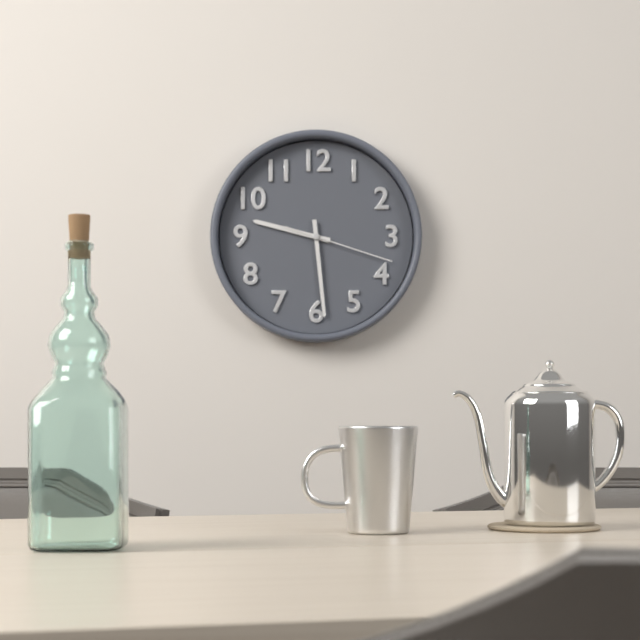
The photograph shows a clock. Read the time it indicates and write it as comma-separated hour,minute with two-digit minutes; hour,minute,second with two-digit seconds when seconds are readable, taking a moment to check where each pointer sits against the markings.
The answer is 9,29,18
